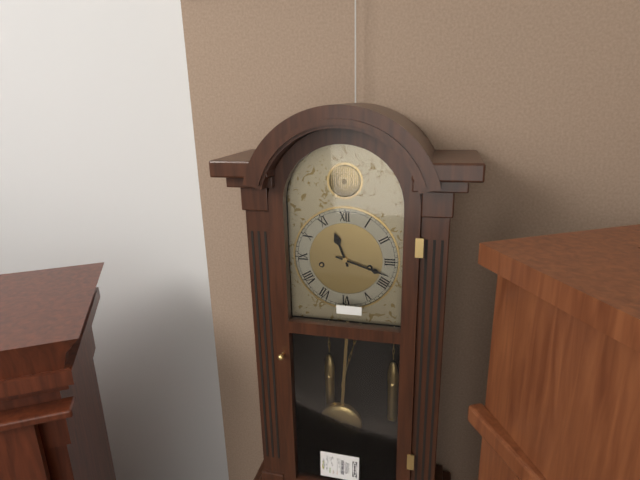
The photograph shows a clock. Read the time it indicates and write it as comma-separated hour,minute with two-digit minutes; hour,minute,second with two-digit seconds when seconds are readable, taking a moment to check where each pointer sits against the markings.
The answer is 11,18
